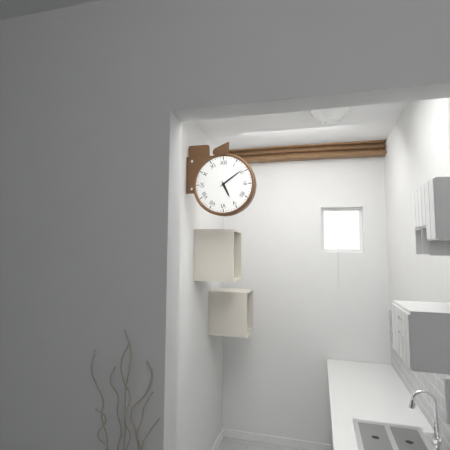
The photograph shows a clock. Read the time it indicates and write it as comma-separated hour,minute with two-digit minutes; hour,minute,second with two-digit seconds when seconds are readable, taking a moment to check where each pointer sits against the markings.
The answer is 5,09
